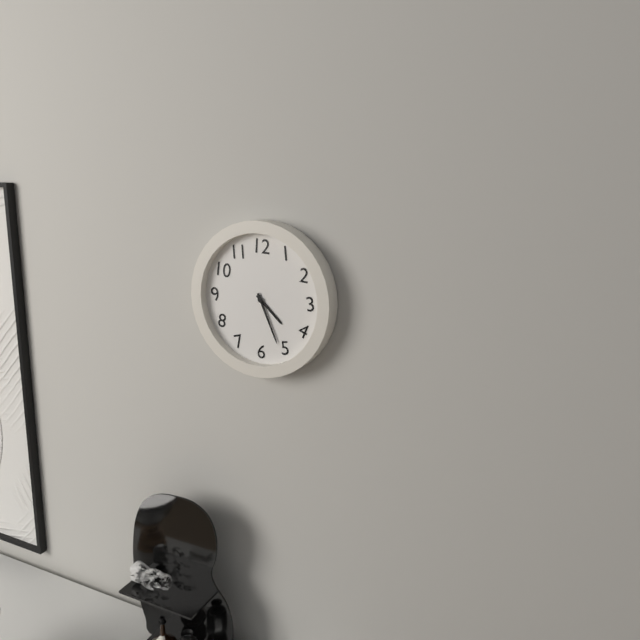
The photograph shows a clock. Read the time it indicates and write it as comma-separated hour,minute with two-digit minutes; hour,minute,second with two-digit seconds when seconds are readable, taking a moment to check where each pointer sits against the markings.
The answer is 4,26
